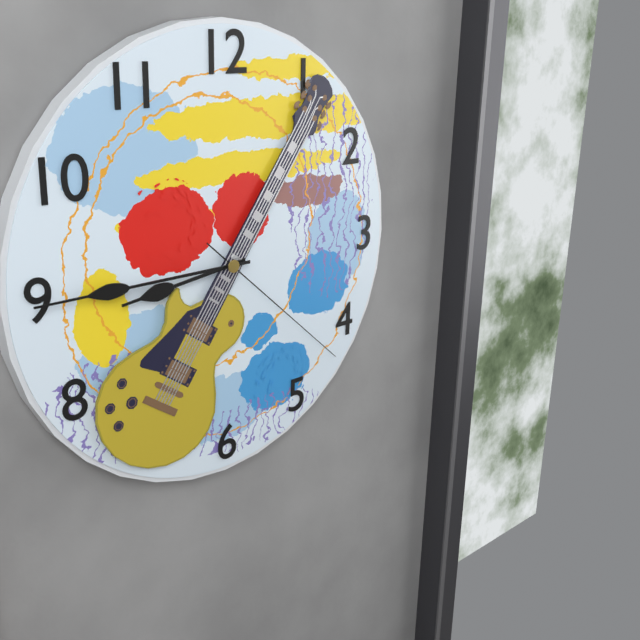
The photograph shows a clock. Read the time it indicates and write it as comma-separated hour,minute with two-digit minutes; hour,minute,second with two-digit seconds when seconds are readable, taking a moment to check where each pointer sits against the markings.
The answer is 8,45,22
